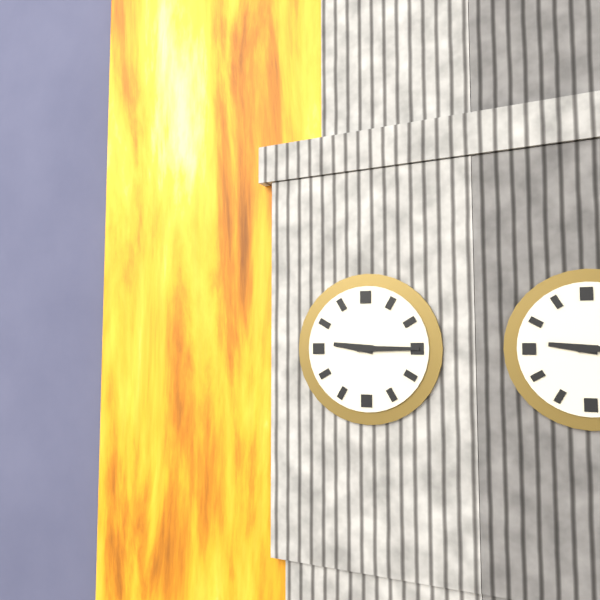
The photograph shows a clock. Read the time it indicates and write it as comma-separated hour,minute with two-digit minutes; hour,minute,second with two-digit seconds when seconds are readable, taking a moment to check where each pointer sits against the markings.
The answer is 9,15
